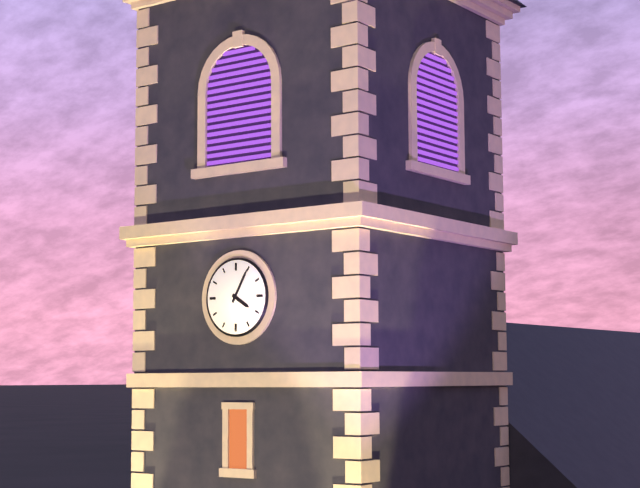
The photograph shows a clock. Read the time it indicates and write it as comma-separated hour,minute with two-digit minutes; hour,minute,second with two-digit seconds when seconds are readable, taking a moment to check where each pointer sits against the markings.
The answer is 4,05
